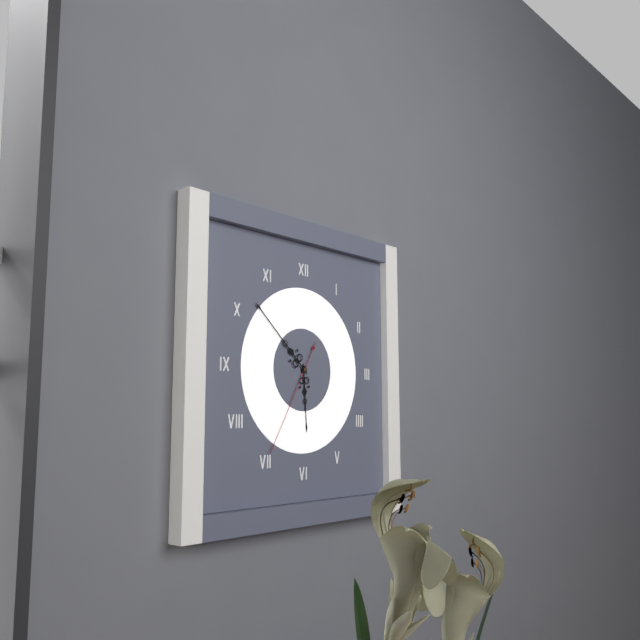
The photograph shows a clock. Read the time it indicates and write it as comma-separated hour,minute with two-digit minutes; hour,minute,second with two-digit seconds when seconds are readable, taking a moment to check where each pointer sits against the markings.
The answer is 5,52,35
